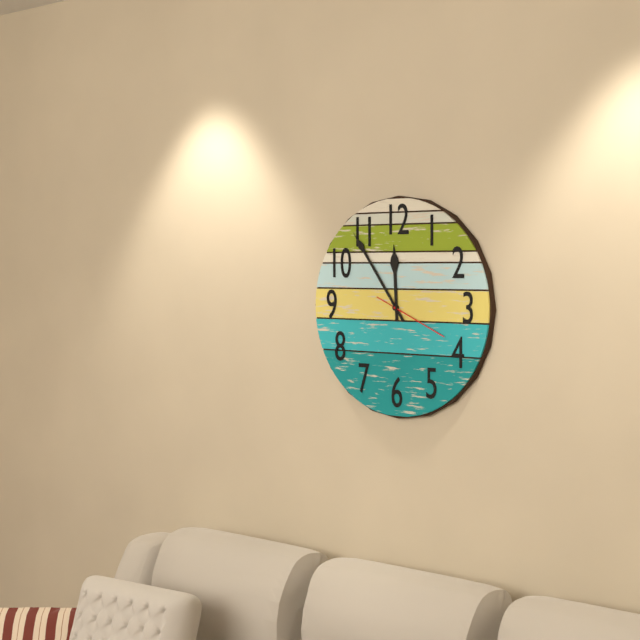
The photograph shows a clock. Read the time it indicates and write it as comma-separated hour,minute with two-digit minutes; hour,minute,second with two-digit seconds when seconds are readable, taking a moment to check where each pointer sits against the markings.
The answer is 11,54,19
